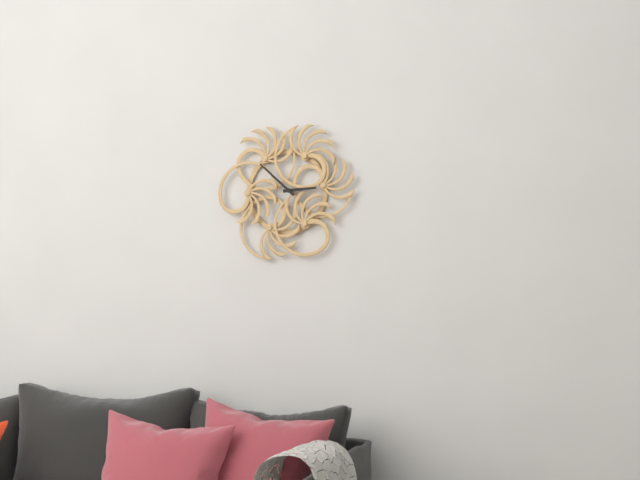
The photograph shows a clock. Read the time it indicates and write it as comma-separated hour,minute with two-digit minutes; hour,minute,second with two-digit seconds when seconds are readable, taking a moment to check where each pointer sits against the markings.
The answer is 2,52
